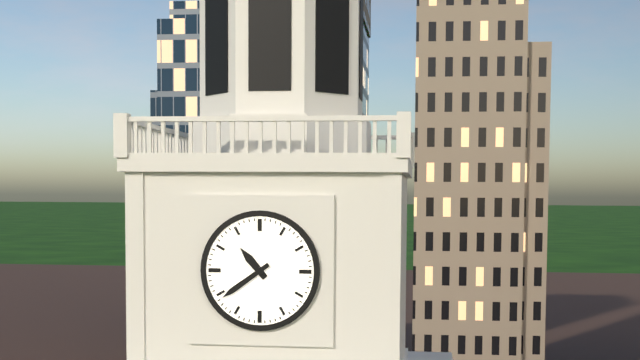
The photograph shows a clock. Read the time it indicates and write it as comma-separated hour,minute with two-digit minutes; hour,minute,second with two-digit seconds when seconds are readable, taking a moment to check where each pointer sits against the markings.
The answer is 10,39
